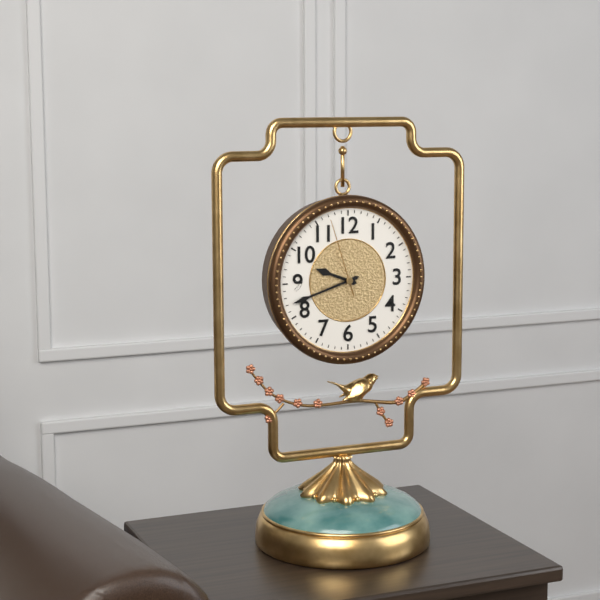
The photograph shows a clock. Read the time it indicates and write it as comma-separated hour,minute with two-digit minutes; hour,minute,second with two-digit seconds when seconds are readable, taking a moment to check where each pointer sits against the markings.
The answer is 9,42,57
